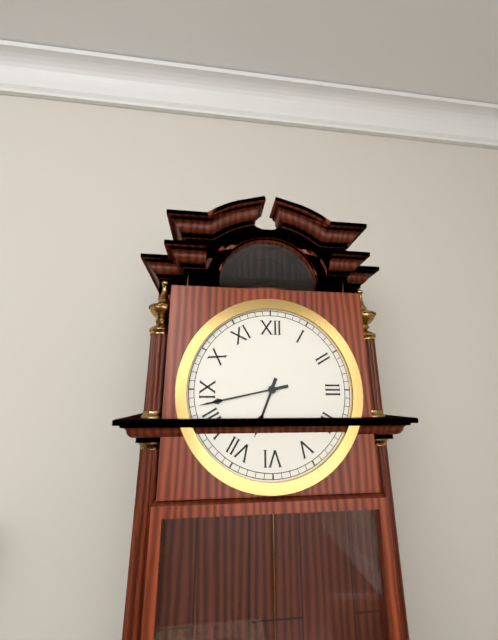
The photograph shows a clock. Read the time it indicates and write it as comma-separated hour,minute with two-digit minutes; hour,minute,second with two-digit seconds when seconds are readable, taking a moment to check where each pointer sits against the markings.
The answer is 6,43
